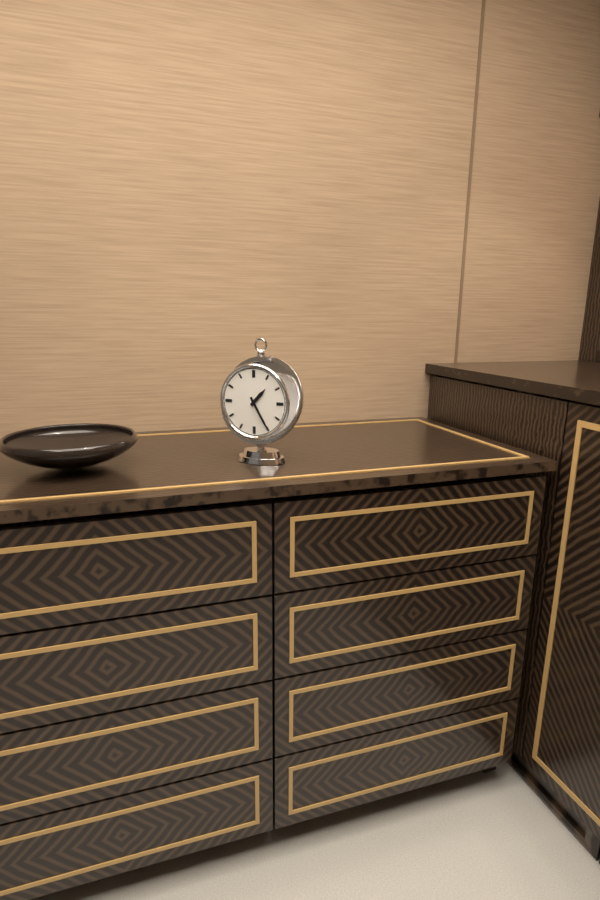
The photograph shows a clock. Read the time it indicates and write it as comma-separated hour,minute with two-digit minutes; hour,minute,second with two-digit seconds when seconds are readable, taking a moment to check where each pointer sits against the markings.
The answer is 1,25
